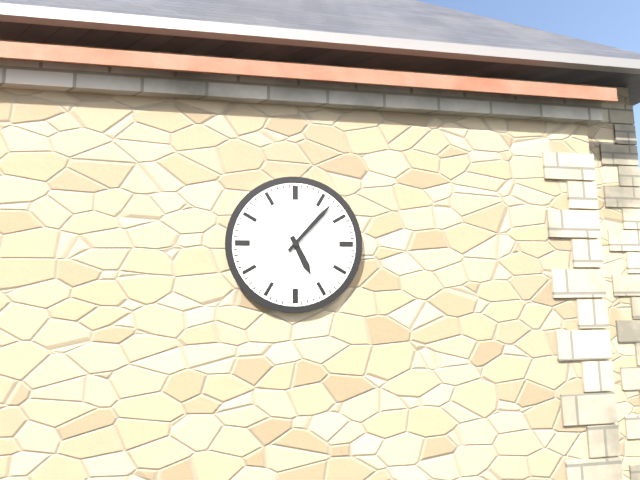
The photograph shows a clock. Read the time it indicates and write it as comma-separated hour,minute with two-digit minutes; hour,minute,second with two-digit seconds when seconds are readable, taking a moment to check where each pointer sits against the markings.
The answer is 5,07
